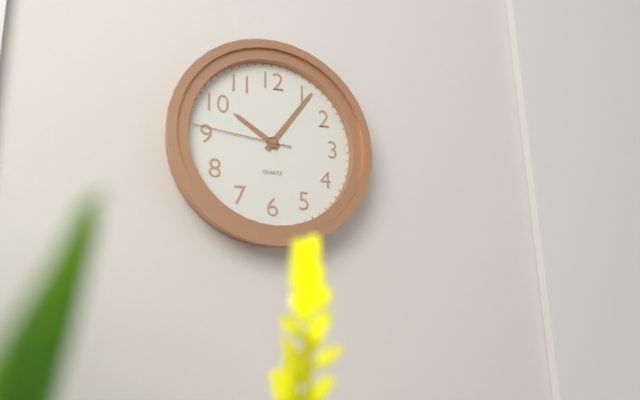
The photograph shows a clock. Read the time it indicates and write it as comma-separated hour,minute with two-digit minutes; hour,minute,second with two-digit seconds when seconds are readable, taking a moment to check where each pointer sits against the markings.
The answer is 10,06,46
